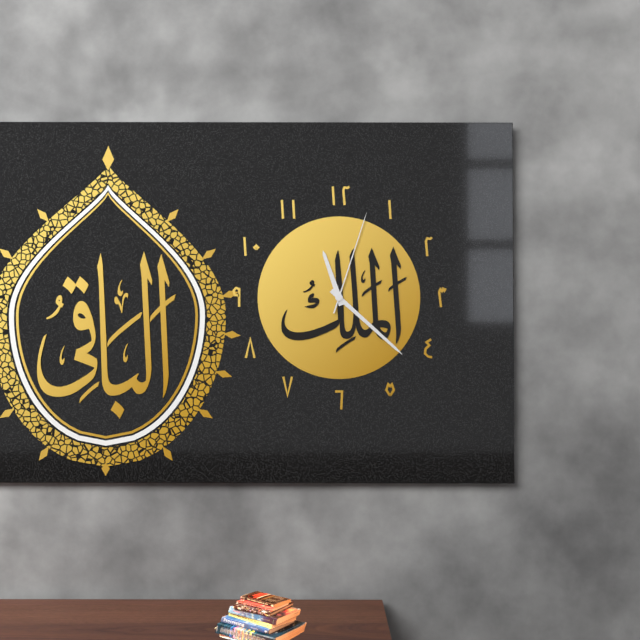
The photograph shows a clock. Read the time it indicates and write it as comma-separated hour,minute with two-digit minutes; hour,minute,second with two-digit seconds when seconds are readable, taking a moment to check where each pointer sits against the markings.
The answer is 11,22,03
